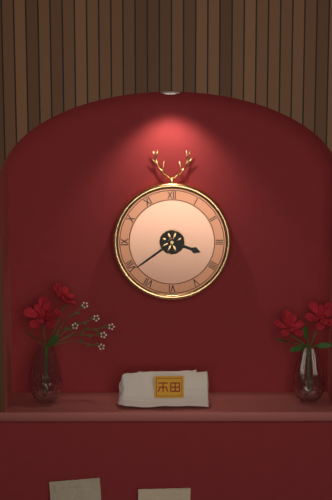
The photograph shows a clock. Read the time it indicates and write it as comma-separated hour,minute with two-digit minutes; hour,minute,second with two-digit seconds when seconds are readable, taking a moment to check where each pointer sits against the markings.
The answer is 3,39
